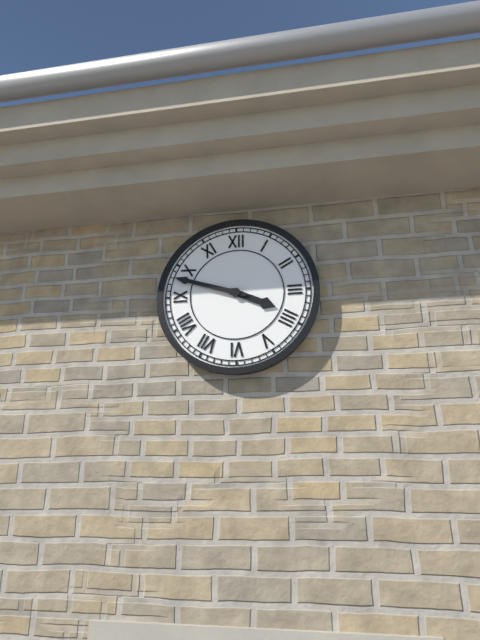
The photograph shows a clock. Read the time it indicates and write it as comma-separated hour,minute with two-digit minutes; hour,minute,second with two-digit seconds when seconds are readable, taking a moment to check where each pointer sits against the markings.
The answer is 3,48
